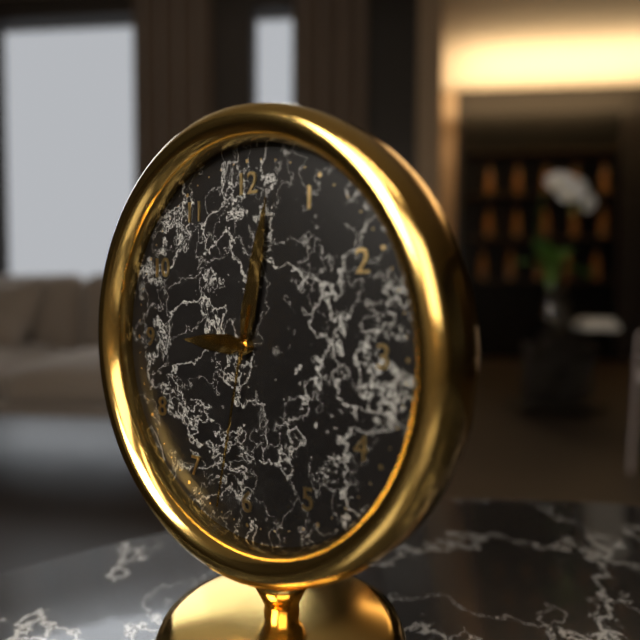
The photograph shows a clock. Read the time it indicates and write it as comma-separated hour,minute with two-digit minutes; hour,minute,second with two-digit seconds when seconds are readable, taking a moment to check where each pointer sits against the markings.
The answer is 9,02,32
